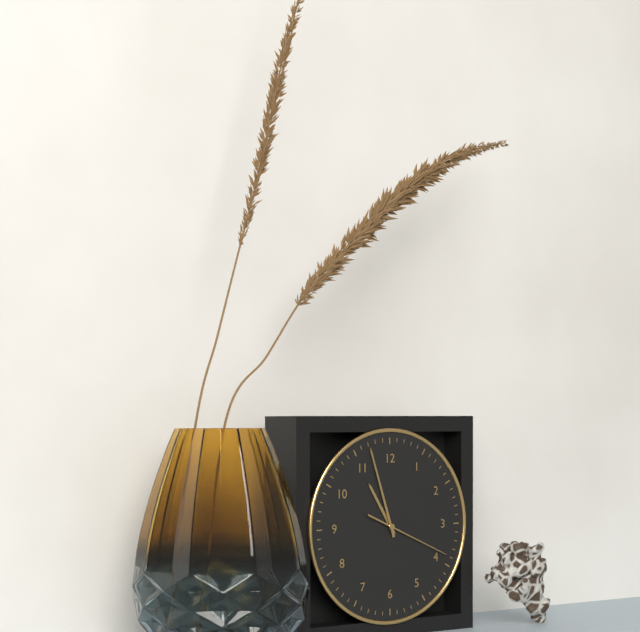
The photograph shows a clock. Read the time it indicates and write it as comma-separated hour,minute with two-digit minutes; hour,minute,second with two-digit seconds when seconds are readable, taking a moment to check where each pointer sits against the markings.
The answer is 10,57,19
